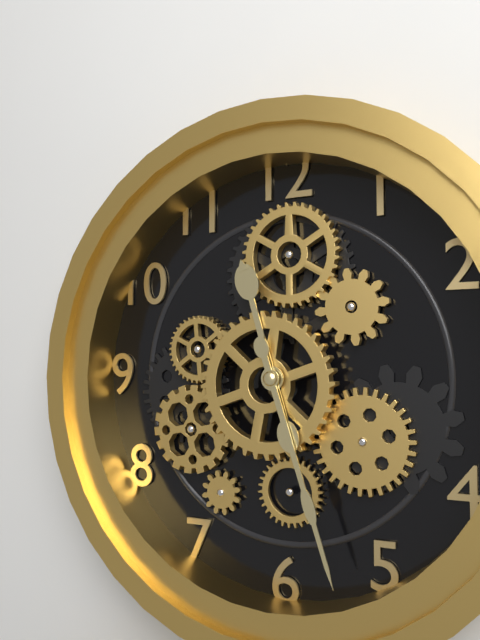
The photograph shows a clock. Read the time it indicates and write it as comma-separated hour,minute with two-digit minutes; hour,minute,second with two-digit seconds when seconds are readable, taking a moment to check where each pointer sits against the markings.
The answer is 11,27
